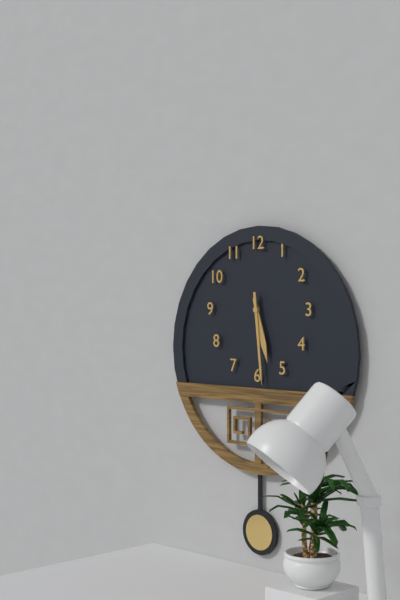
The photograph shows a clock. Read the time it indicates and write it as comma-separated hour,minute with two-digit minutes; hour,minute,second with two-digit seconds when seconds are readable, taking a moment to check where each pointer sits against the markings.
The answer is 5,29
